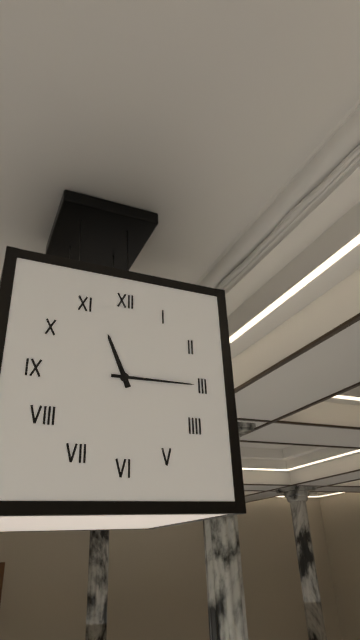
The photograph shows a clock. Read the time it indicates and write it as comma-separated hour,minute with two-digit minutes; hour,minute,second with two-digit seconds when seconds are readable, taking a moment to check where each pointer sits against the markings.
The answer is 11,15
